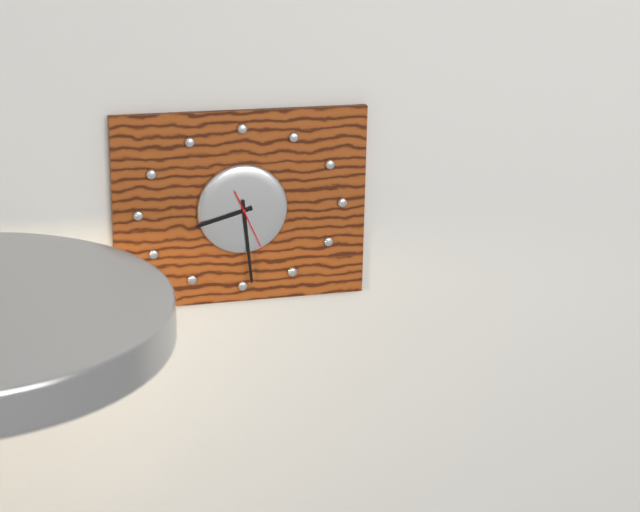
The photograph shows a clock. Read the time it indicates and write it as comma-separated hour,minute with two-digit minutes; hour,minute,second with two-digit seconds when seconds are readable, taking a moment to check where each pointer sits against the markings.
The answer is 8,29,26
